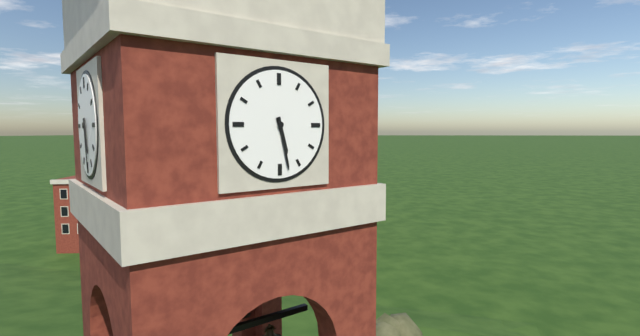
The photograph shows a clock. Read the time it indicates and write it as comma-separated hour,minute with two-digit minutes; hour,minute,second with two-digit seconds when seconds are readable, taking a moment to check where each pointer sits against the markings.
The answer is 5,28
